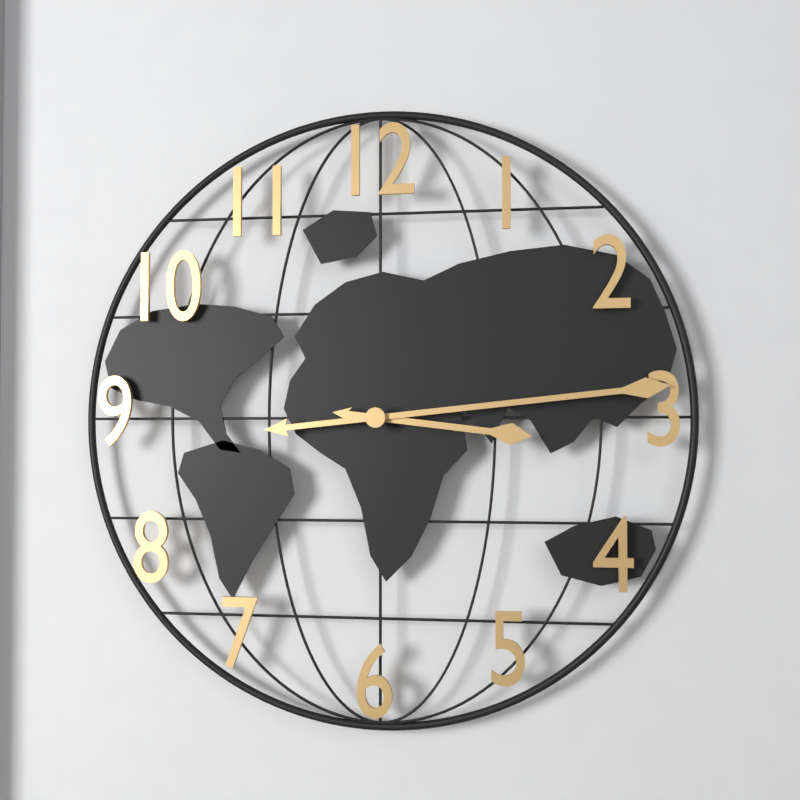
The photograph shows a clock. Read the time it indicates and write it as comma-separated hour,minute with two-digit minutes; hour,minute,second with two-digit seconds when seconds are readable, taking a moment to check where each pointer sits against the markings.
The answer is 3,14
